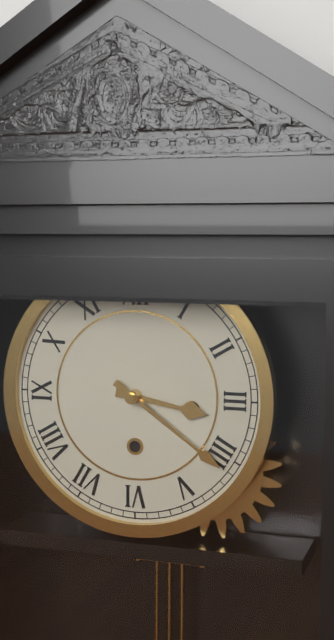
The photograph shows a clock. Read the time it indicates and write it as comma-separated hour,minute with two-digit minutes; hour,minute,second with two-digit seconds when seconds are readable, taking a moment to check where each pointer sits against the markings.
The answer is 3,21
